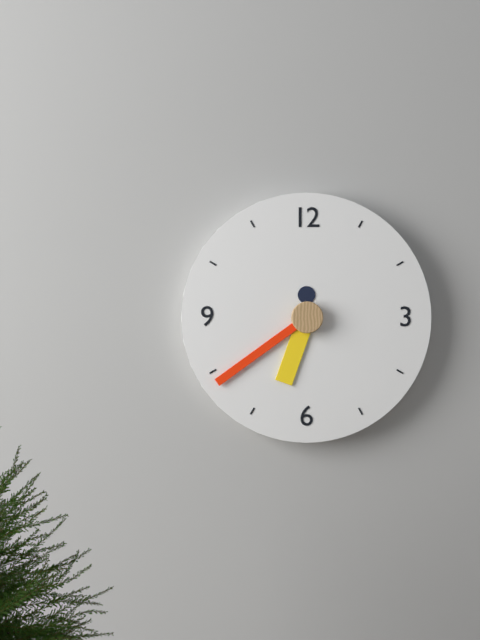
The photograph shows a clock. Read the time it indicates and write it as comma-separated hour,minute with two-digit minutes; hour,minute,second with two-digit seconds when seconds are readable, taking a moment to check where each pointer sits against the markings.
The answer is 6,39
